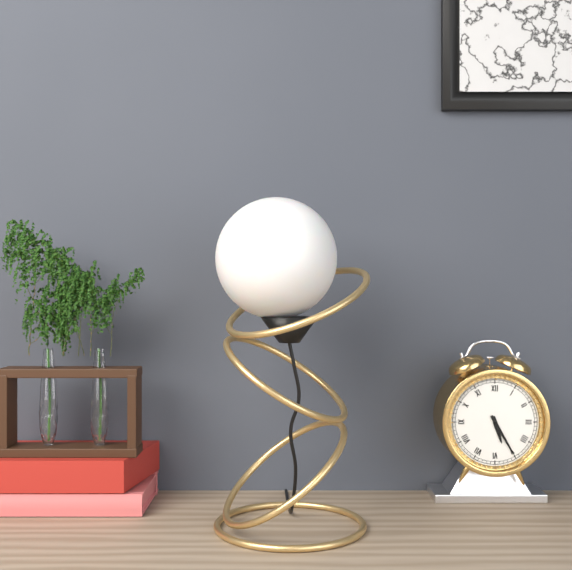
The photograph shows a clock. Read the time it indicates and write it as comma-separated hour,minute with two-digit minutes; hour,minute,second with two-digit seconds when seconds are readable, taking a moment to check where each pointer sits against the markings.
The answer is 5,25
